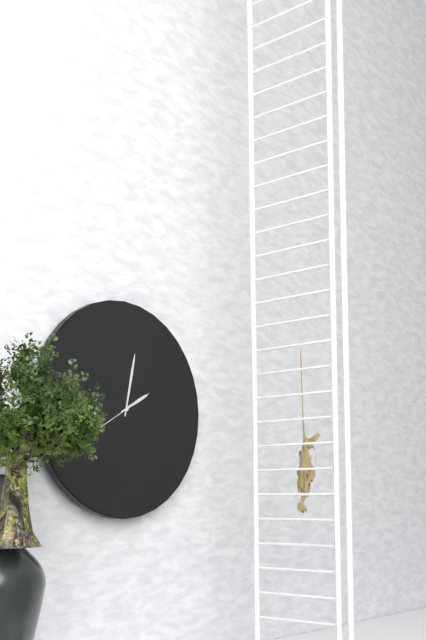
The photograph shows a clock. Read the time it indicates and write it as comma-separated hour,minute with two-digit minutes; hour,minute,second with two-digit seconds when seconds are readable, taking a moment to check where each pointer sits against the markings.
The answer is 2,02
